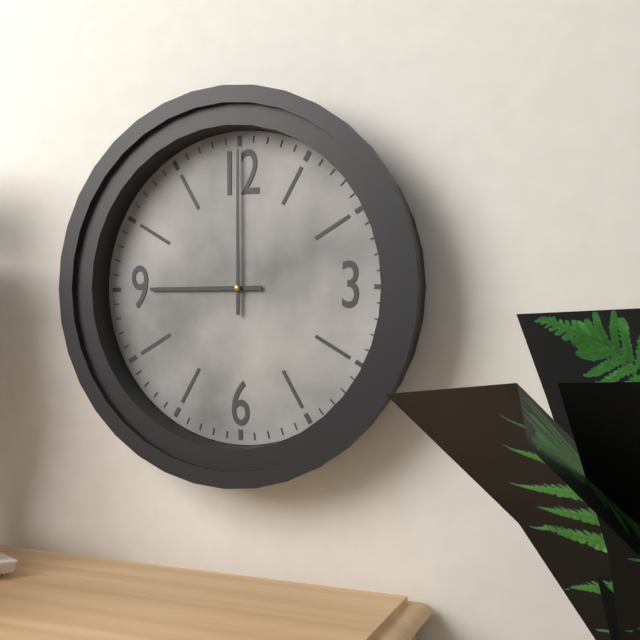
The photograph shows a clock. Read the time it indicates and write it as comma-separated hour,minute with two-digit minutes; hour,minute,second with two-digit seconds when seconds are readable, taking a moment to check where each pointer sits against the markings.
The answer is 9,00
